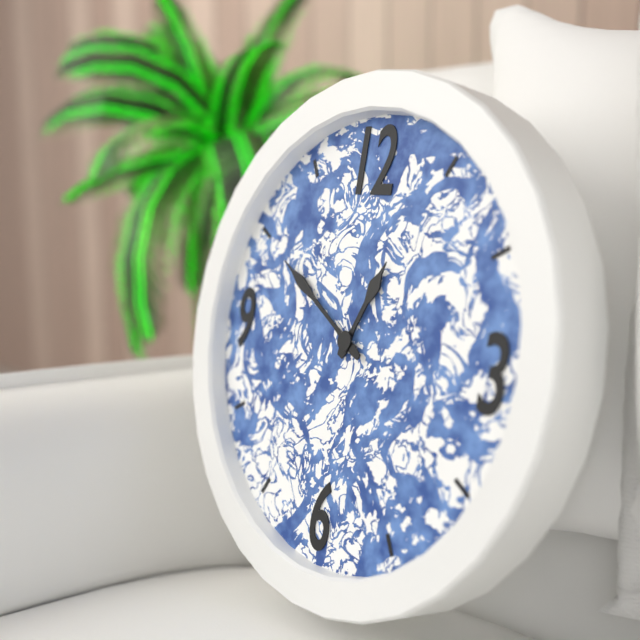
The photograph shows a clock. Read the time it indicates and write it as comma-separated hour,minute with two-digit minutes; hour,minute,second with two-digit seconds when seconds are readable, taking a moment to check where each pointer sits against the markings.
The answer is 12,50
